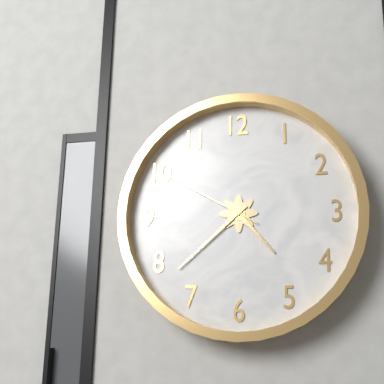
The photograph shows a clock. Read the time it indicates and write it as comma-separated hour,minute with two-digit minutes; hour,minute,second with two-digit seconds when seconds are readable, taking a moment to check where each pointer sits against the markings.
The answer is 4,38,50
